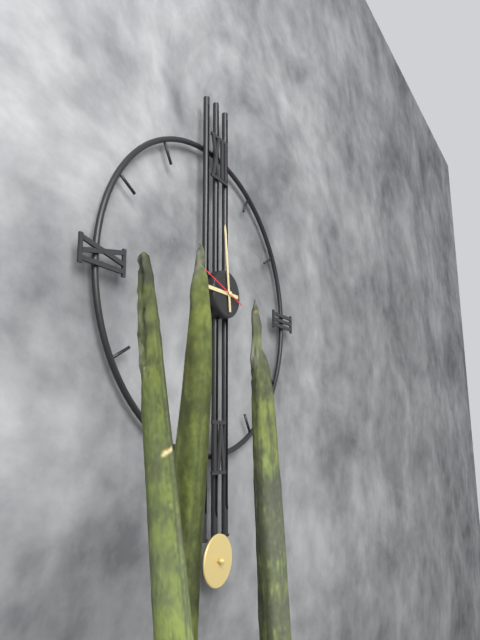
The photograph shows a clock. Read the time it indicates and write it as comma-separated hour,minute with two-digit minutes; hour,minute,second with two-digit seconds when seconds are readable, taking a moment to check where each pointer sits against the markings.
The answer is 8,59,48
